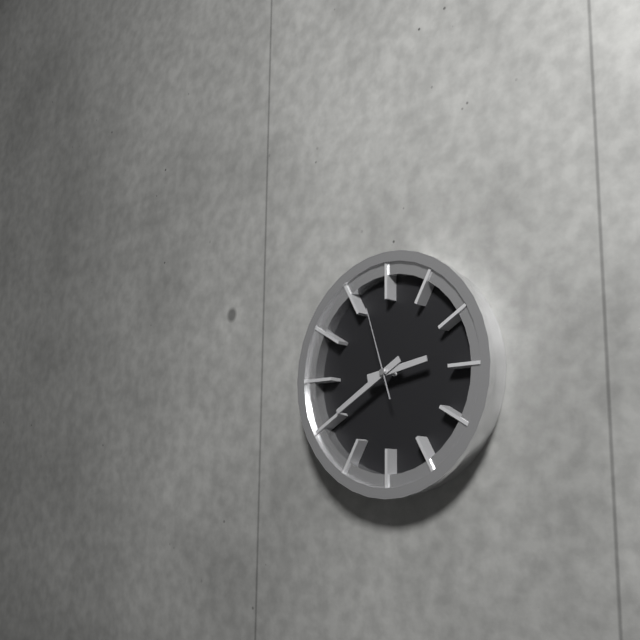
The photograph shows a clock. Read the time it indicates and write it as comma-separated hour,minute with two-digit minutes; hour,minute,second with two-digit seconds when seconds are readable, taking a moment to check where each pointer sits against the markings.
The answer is 2,40,57
